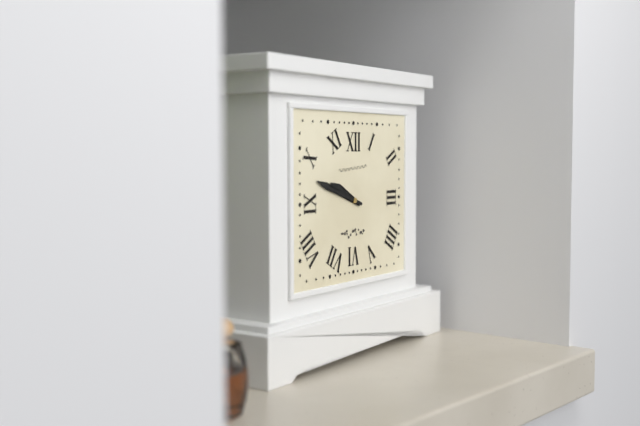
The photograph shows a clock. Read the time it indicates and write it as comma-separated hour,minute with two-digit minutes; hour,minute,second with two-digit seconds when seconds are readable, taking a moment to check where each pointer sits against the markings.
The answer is 9,48
